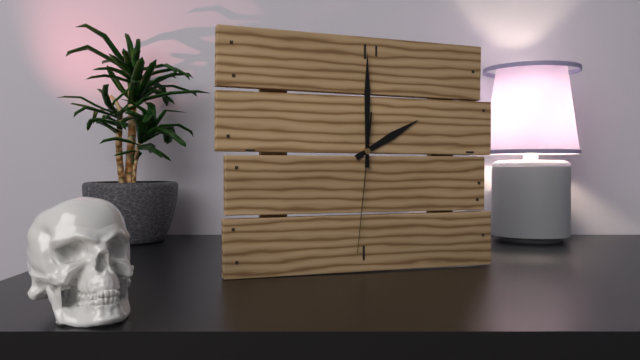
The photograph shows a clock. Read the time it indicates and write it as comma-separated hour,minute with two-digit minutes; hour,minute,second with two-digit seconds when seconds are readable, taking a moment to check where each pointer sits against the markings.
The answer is 2,00,31
